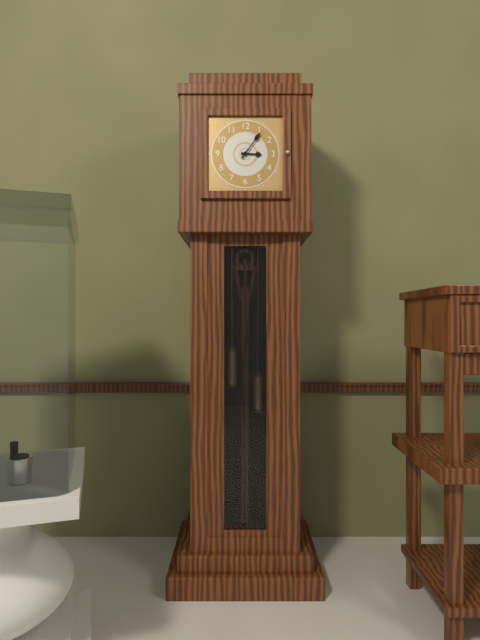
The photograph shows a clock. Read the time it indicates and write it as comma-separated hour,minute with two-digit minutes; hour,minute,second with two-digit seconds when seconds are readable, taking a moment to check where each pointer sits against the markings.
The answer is 3,06
